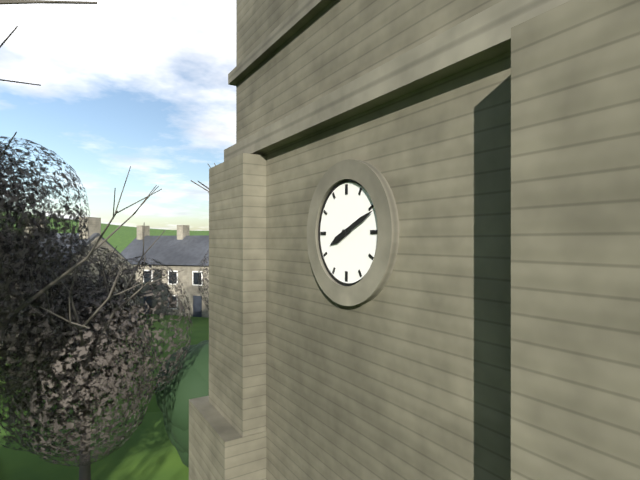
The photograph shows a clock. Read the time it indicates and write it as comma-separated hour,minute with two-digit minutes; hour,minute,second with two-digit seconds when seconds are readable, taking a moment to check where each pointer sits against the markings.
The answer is 8,11
